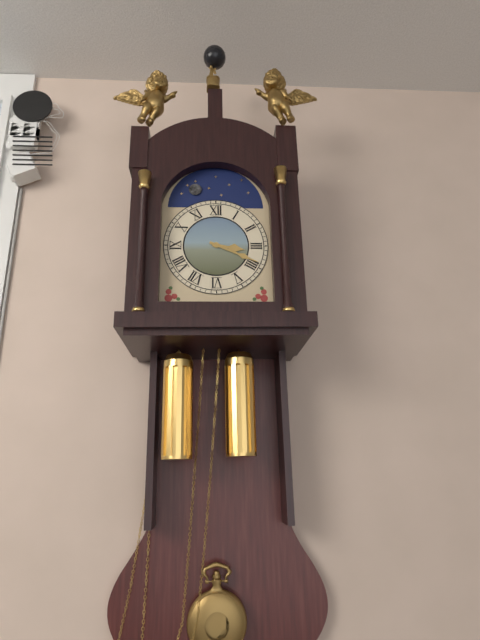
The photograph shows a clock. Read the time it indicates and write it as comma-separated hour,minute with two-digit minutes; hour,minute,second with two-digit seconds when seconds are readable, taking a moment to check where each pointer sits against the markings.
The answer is 3,19
